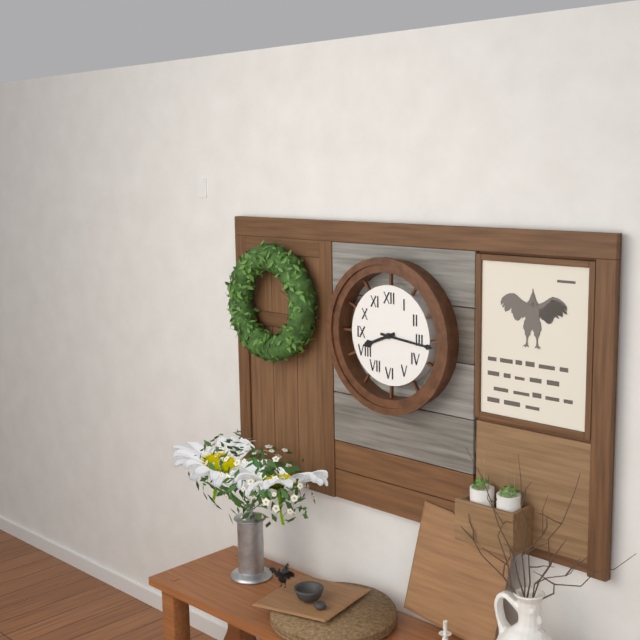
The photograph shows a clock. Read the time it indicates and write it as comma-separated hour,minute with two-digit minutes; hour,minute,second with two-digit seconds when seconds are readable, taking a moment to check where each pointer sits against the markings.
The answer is 8,16
